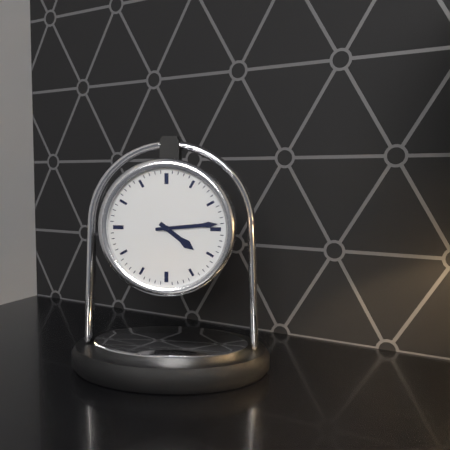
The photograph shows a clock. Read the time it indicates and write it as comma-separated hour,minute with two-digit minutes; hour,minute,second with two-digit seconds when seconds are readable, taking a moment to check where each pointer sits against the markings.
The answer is 4,14
